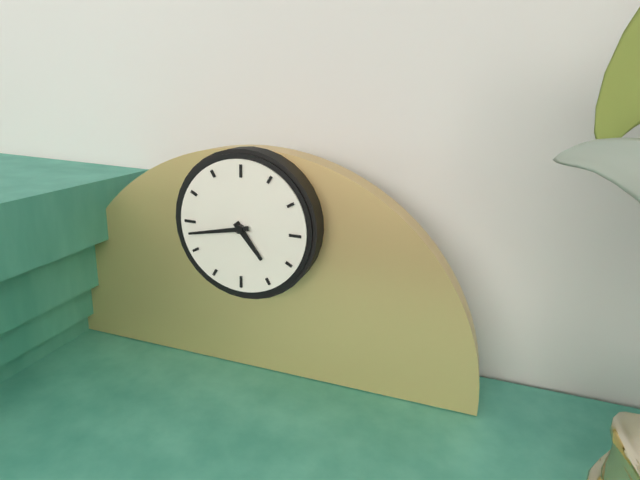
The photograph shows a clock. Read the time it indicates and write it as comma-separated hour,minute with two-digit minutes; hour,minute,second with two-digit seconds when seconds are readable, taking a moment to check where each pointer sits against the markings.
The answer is 4,43
